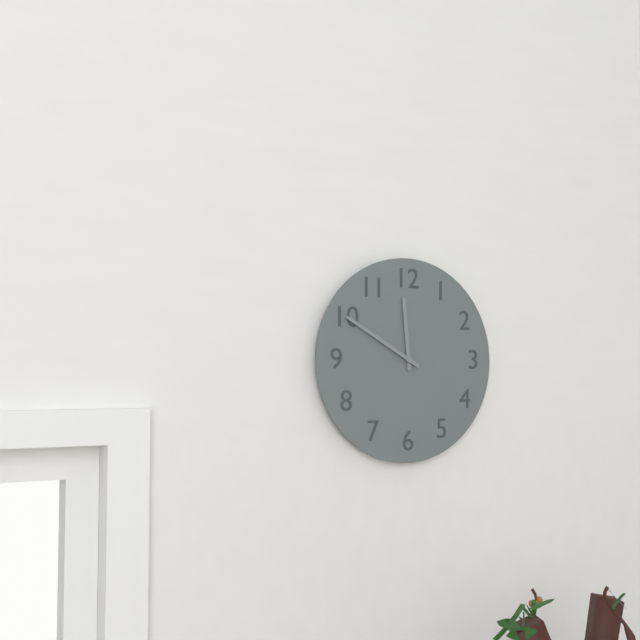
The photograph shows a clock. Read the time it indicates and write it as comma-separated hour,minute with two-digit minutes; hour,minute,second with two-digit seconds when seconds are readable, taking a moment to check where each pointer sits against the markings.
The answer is 11,50
